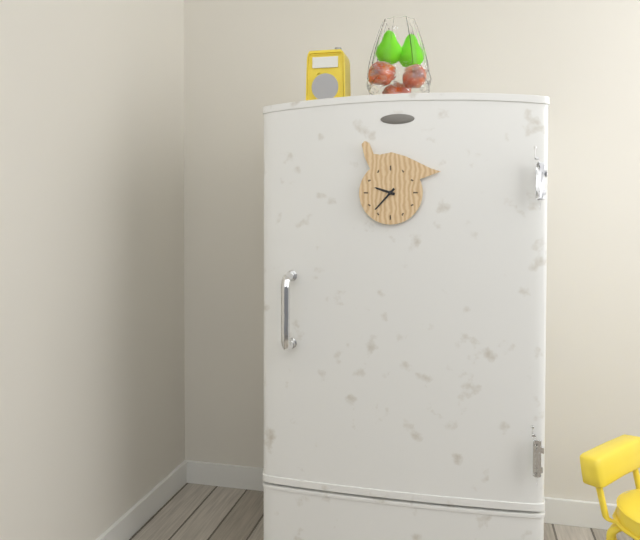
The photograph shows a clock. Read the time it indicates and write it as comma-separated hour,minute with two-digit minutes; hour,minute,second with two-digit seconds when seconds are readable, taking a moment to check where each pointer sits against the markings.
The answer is 9,37
